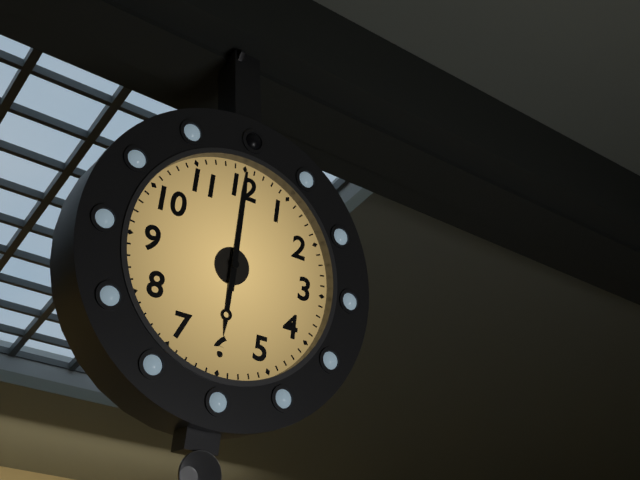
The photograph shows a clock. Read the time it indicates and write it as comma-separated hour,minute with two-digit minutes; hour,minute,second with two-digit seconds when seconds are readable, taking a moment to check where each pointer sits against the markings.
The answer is 6,00
